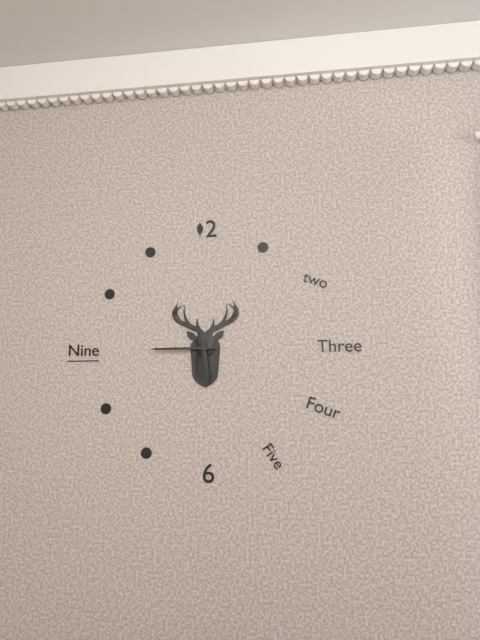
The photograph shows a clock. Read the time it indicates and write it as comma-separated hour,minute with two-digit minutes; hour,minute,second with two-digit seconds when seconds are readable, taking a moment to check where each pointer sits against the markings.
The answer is 5,45
